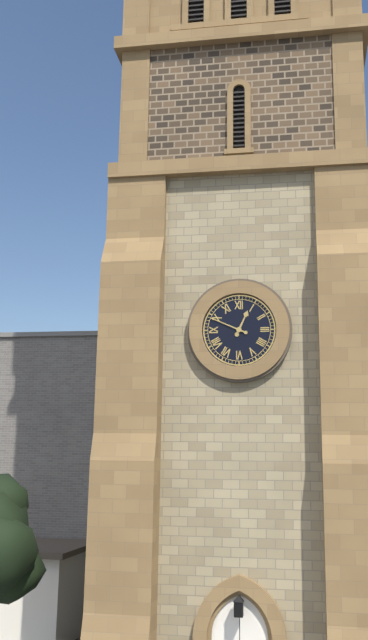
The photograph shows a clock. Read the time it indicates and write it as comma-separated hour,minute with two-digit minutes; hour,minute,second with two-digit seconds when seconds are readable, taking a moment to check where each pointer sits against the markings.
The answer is 12,49
